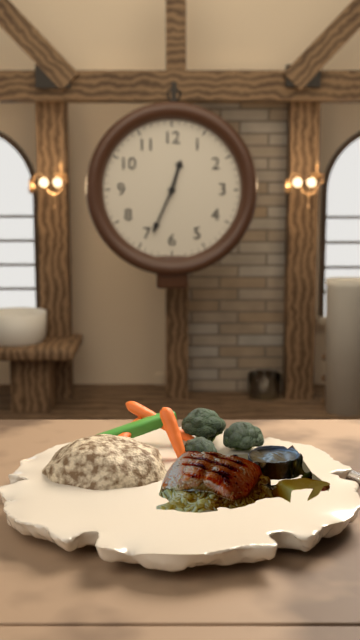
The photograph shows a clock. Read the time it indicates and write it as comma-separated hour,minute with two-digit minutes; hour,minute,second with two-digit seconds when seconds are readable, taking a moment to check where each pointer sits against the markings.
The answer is 12,34
